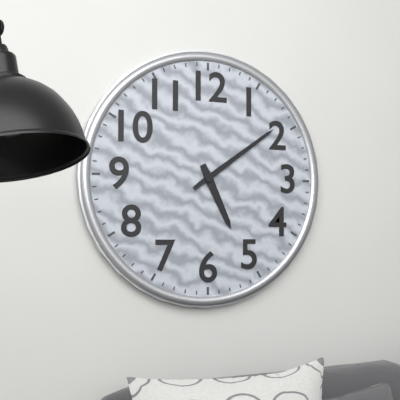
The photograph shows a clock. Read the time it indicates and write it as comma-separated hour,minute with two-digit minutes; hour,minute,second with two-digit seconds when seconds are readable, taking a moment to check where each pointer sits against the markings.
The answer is 5,09
